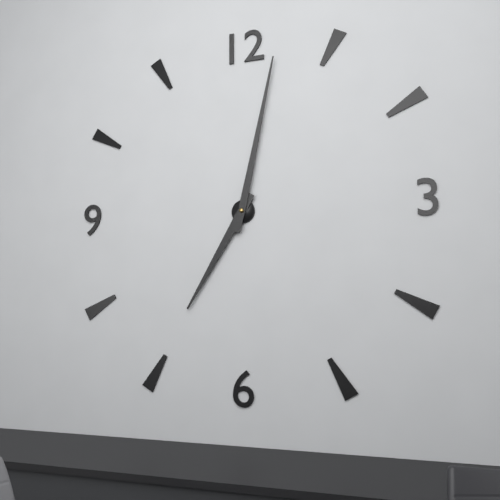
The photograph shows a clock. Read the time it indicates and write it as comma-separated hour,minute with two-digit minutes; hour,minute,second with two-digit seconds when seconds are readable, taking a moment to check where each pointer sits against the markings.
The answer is 7,02
